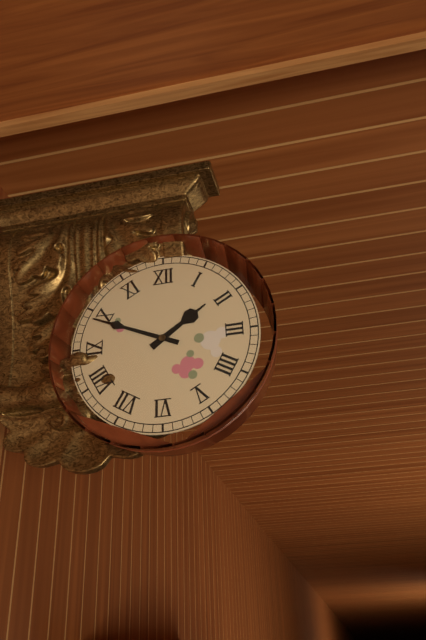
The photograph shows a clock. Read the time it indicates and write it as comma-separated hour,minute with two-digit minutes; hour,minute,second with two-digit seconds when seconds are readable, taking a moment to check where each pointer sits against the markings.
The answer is 1,49
